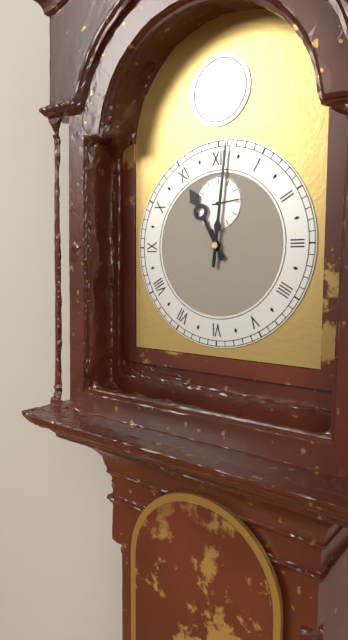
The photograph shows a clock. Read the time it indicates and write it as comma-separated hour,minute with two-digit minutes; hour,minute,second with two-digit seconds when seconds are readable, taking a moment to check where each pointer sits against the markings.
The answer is 11,01
